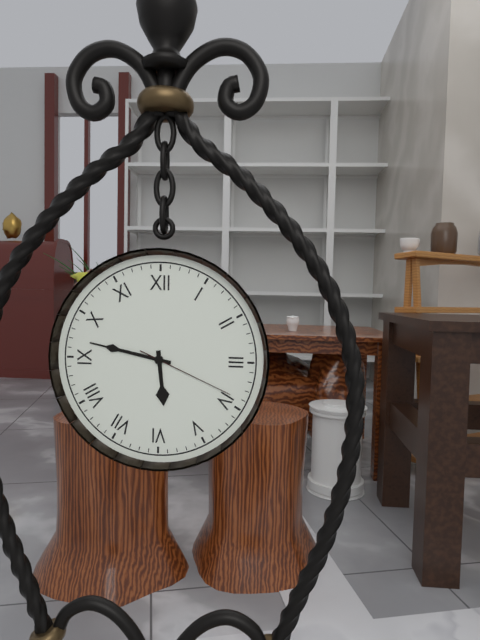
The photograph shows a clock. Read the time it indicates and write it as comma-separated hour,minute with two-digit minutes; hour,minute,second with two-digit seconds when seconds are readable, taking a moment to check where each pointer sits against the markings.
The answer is 5,47,19
